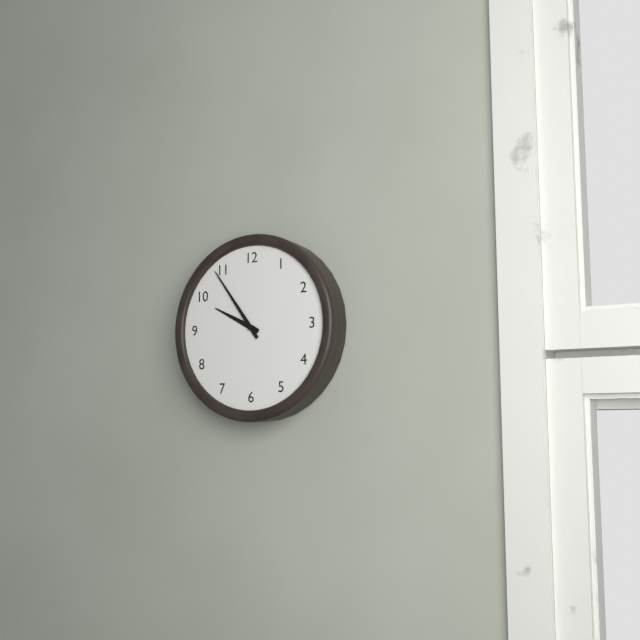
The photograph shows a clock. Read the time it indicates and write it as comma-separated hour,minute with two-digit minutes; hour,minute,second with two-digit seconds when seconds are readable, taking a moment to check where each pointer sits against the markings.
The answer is 9,54
